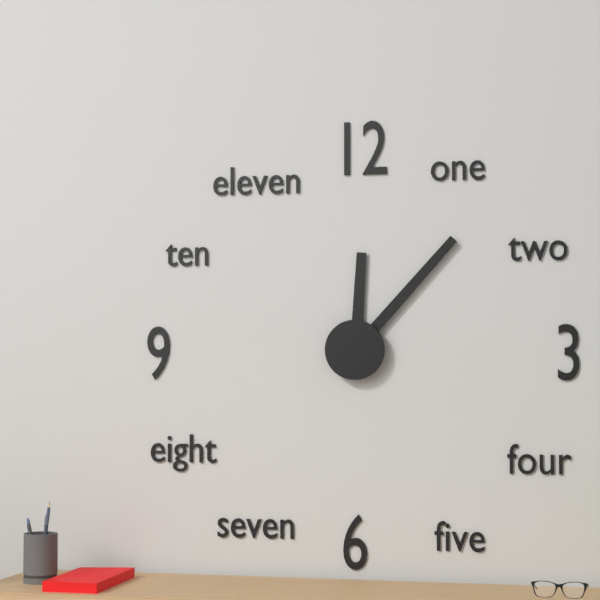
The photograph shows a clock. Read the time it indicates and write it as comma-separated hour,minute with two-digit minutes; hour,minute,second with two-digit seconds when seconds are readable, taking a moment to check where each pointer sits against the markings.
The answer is 12,07
